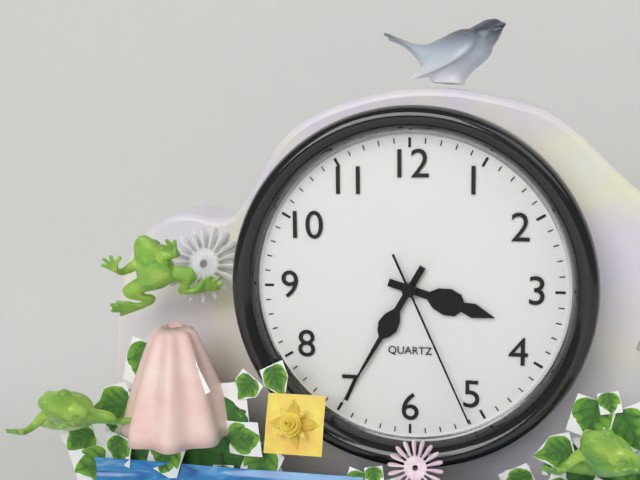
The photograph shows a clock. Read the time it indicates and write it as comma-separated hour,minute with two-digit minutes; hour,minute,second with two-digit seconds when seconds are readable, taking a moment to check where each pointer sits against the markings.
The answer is 3,35,26
